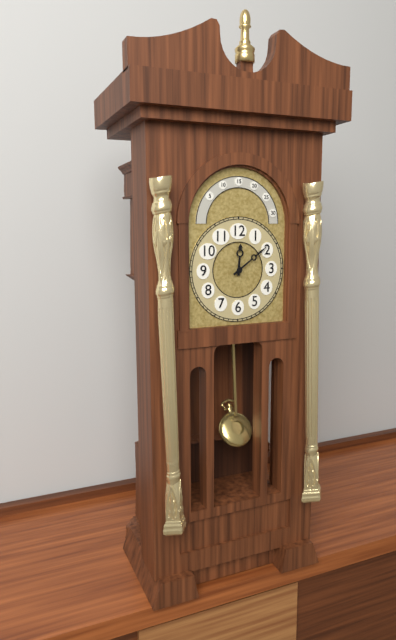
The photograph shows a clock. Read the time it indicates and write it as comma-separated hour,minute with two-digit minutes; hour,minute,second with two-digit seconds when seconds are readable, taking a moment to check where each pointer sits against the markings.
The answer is 12,09
